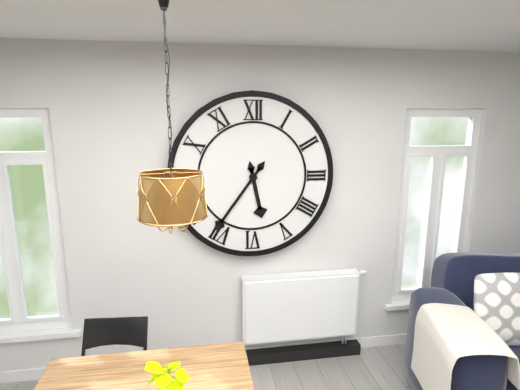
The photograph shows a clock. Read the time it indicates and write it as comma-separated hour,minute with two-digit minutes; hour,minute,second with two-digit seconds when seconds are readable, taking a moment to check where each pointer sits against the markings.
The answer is 5,36
